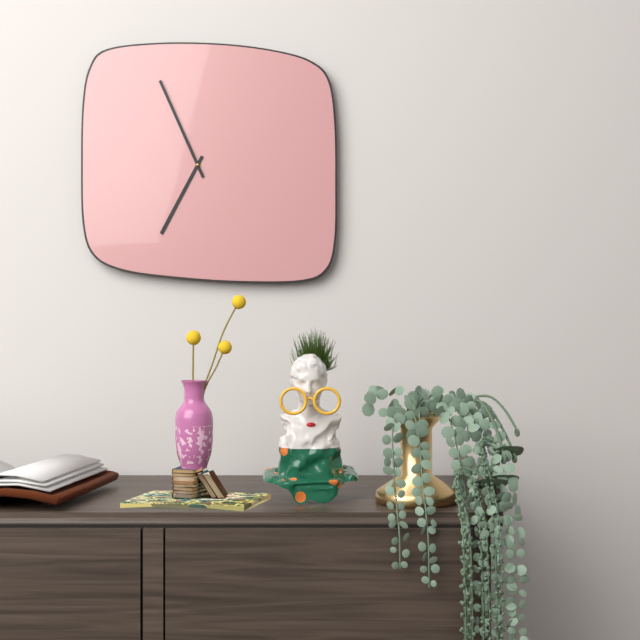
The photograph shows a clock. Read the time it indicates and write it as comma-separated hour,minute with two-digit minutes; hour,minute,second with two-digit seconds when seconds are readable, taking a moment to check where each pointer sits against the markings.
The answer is 6,56
